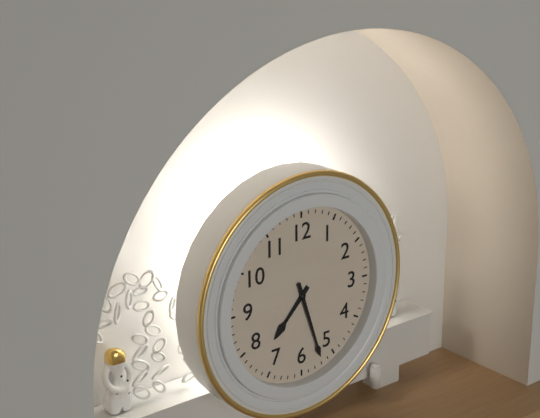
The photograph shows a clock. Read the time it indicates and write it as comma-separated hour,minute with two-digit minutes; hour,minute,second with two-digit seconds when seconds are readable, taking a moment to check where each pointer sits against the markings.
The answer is 7,27
